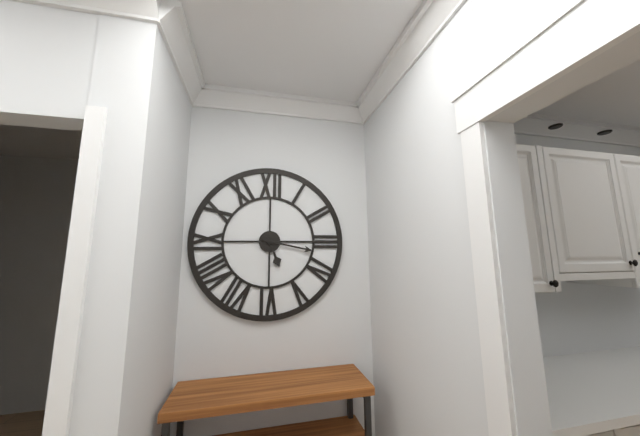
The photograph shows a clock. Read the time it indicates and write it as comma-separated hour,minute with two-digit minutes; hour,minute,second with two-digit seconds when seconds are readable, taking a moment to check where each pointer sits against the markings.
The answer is 5,17
